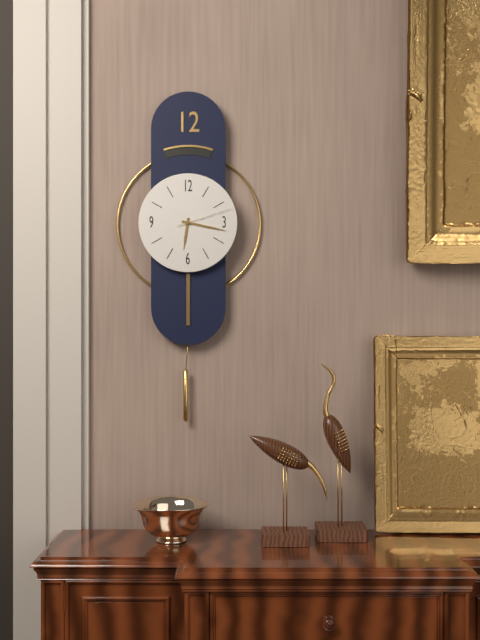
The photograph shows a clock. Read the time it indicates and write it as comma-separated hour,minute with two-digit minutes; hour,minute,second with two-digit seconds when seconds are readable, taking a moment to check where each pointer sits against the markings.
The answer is 6,17,12
